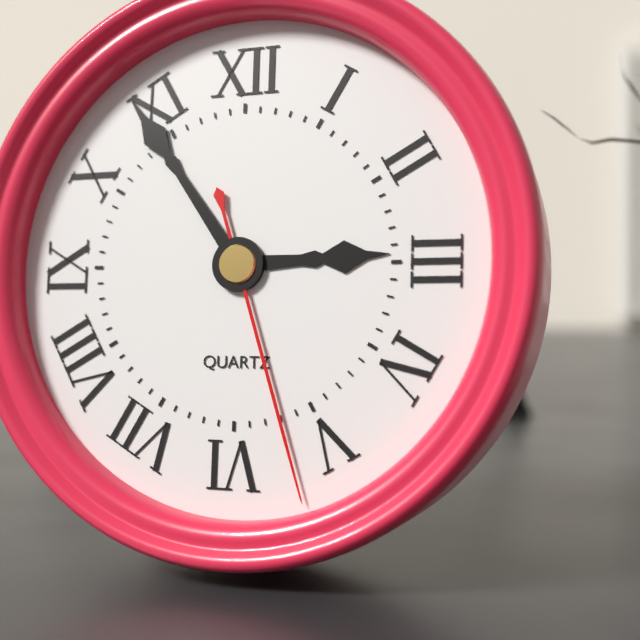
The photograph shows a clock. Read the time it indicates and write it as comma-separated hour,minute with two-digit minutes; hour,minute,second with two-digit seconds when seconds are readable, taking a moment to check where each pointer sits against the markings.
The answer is 2,54,27
